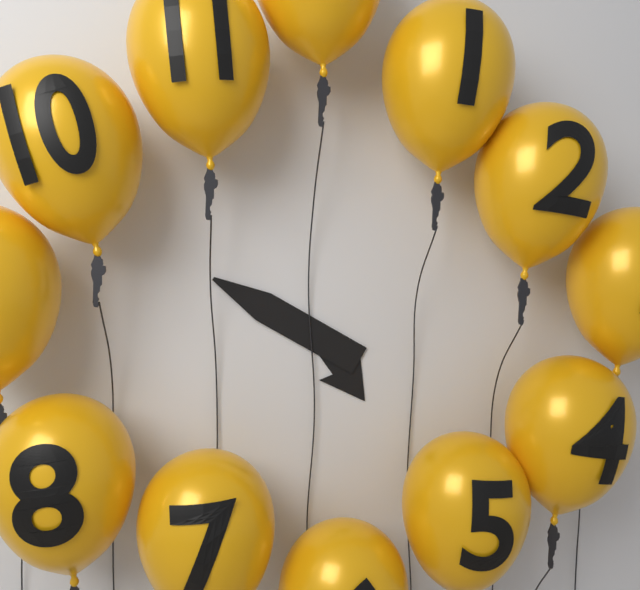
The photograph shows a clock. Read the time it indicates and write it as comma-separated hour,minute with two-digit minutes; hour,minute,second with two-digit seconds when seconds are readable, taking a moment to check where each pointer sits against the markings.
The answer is 4,50
